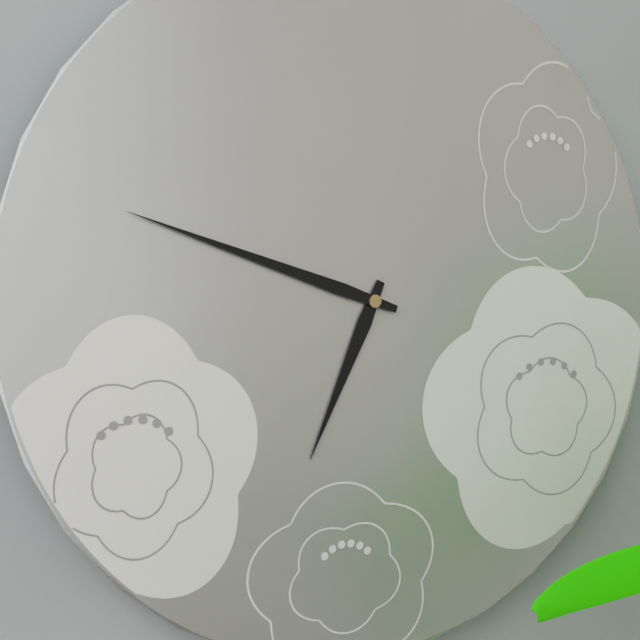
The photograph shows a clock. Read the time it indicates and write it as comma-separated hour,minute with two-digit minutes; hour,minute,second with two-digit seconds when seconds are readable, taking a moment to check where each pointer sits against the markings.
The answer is 6,48
